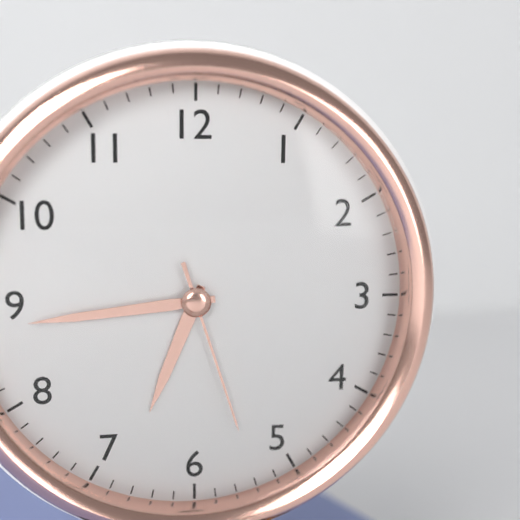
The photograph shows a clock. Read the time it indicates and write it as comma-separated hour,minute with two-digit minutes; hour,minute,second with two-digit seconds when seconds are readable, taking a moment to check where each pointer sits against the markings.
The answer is 6,44,27
